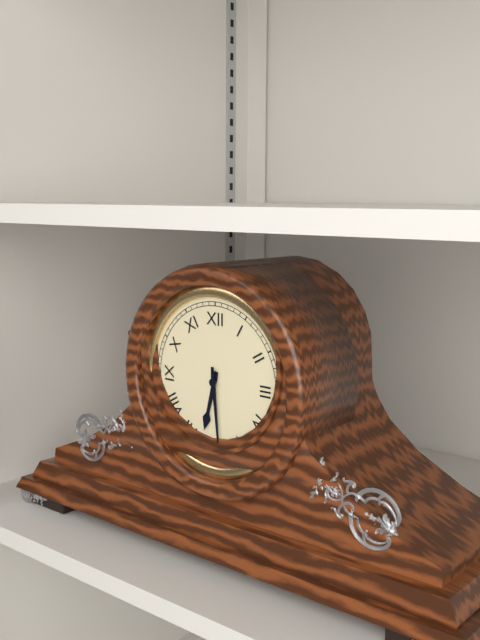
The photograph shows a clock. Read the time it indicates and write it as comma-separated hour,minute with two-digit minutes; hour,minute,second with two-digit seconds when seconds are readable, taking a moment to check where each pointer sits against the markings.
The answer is 6,29
